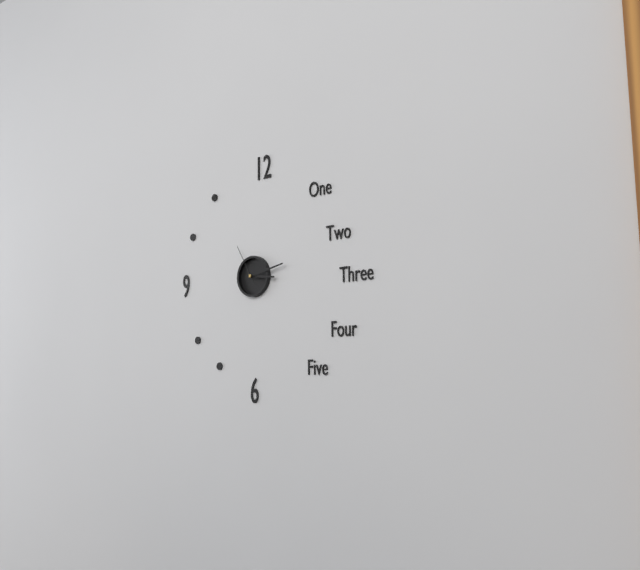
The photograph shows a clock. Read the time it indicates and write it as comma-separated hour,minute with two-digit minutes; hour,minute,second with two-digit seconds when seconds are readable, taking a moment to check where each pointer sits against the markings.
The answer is 3,13
